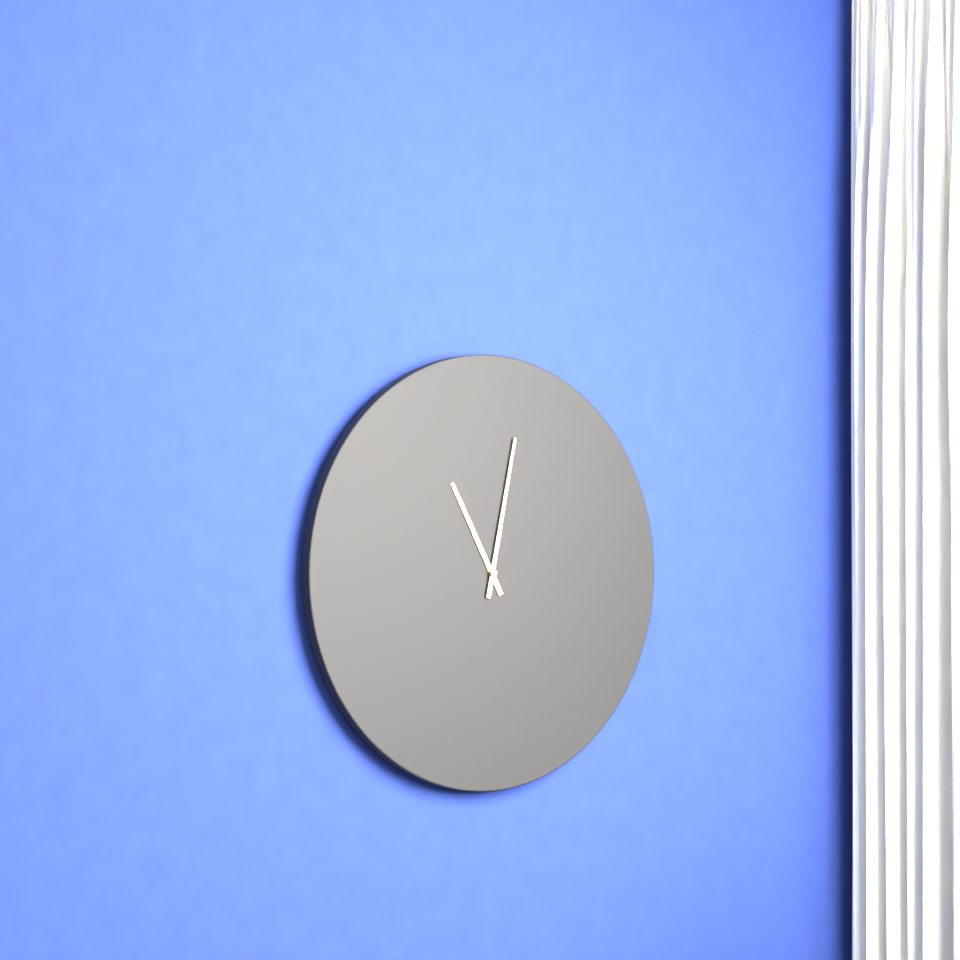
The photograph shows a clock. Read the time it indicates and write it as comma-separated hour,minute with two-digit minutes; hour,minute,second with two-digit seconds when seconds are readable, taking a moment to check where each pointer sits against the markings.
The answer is 11,02
